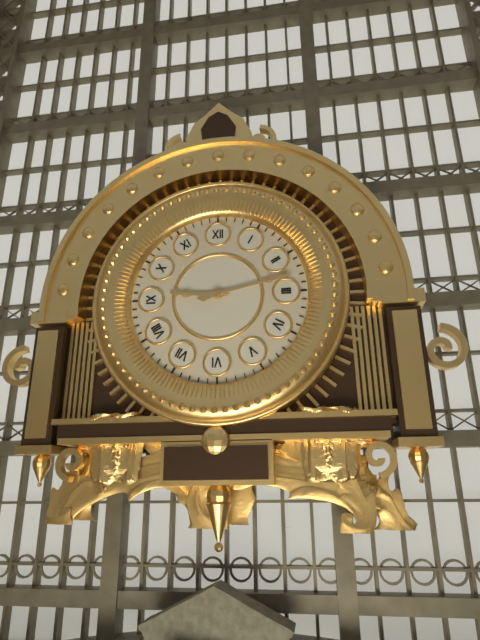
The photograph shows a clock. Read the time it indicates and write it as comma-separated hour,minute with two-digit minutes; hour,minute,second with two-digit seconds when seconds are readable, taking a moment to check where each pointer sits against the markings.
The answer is 9,13
